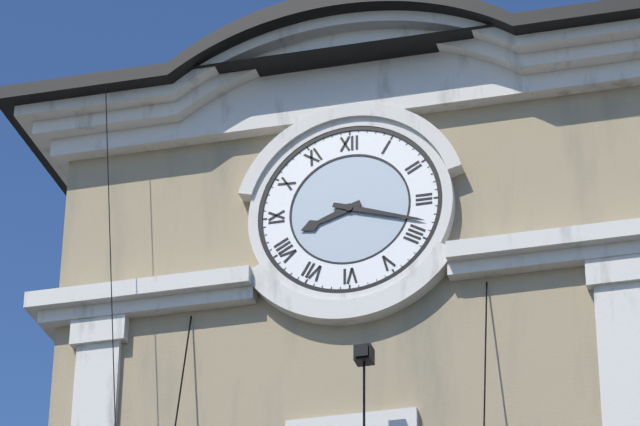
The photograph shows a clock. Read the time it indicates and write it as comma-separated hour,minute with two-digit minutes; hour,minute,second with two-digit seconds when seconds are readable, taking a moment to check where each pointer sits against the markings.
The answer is 8,18
